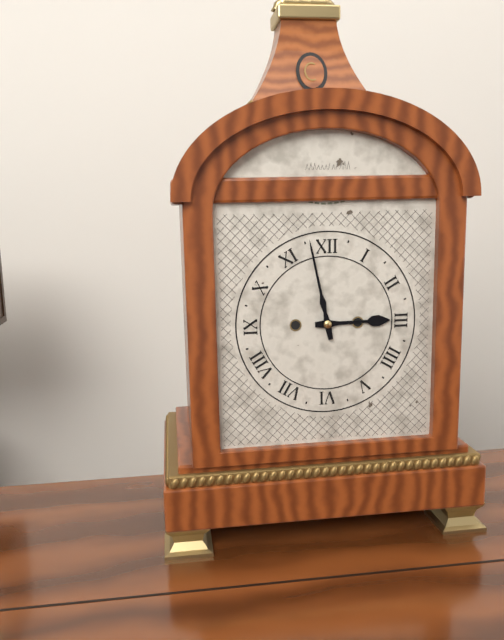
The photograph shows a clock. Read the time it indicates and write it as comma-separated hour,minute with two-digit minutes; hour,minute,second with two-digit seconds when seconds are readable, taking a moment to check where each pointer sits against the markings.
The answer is 2,58
